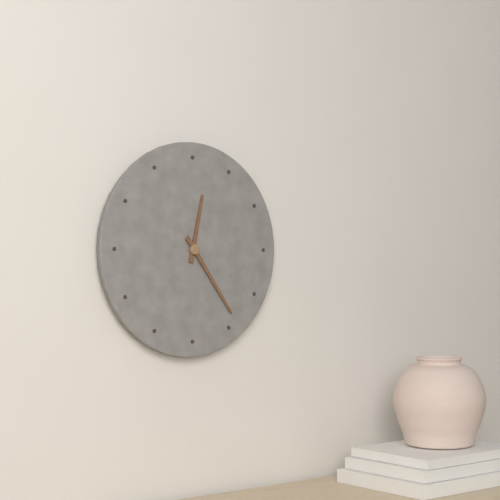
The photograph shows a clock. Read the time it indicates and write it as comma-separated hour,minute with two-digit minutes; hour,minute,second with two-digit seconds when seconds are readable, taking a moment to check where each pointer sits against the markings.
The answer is 12,24
